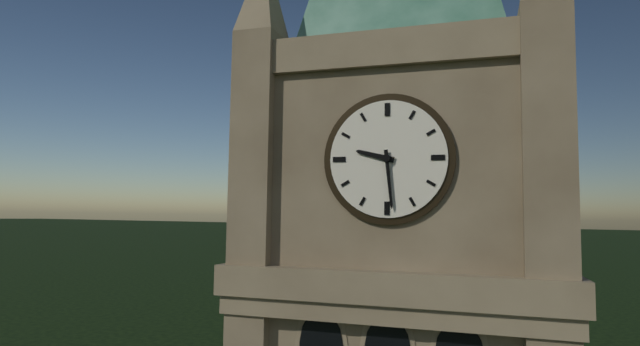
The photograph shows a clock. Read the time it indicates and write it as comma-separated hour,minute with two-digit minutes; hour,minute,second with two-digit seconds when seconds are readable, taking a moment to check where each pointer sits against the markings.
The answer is 9,29
